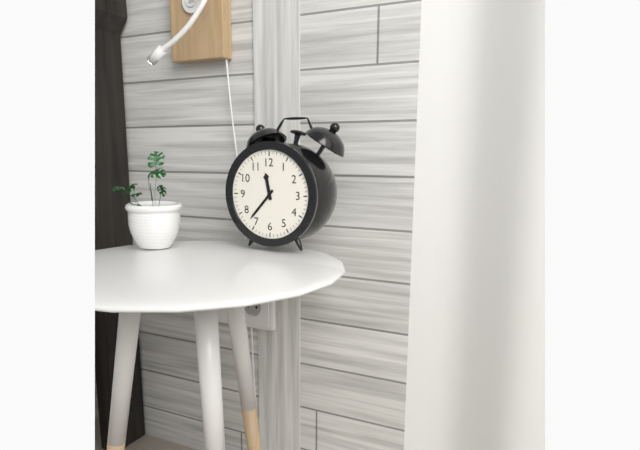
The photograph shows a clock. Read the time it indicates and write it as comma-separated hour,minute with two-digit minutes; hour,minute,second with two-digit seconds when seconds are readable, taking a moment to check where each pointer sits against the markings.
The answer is 11,37
